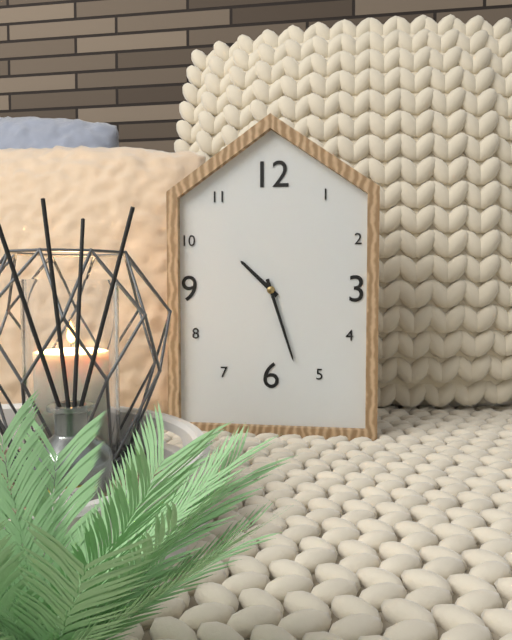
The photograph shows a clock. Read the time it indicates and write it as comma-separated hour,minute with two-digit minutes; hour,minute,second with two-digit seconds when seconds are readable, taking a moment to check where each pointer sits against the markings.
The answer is 10,27
